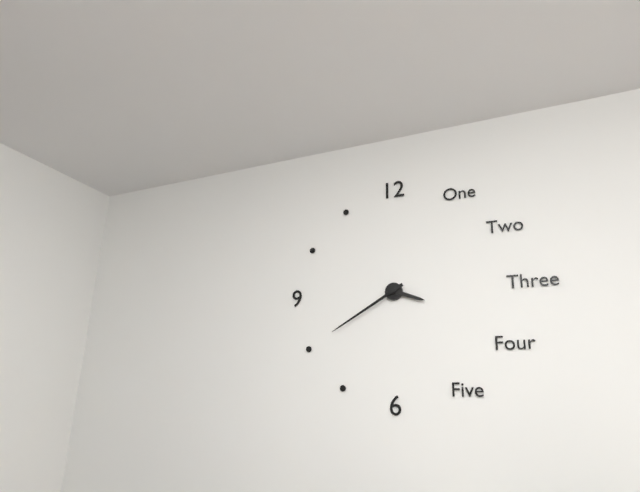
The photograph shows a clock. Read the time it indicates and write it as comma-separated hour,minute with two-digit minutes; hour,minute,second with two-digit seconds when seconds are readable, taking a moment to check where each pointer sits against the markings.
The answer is 3,40
